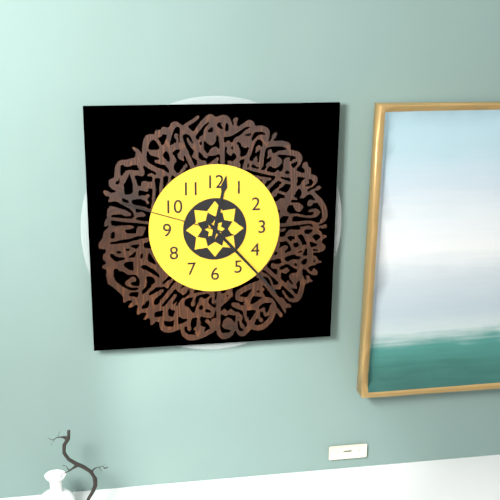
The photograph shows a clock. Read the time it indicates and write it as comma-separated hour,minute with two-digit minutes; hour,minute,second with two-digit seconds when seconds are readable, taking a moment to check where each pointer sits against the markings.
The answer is 12,23,48
